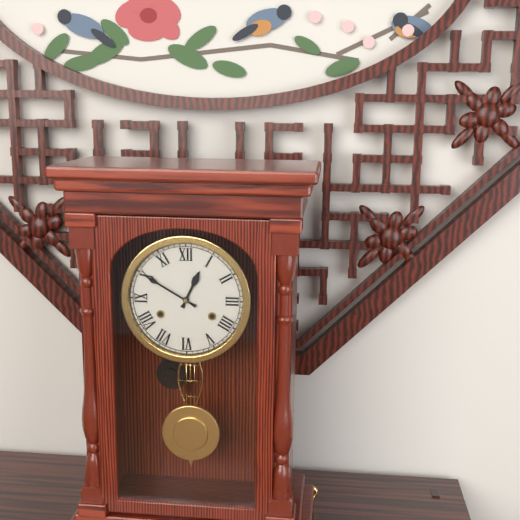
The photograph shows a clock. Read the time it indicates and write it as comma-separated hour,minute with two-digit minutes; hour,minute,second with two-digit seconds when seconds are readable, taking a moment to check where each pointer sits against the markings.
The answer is 12,50
